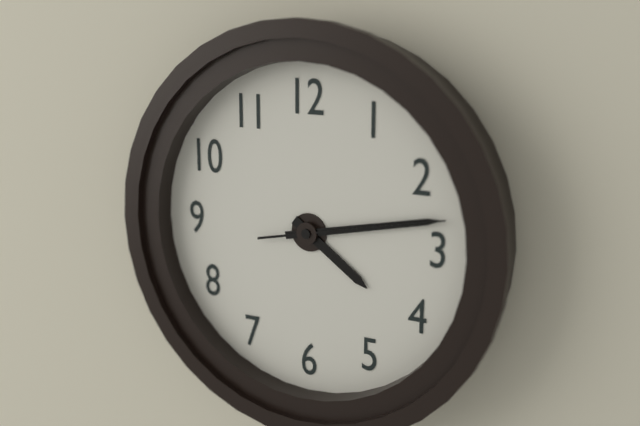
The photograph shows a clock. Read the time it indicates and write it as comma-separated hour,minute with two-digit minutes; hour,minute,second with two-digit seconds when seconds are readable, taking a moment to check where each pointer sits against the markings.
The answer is 4,13,13
